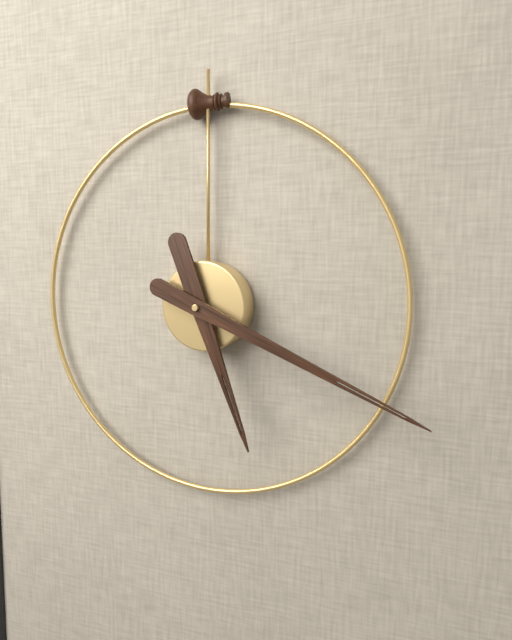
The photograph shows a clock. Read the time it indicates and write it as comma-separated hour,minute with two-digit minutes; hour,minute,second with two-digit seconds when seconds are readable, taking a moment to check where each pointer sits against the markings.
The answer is 5,19
